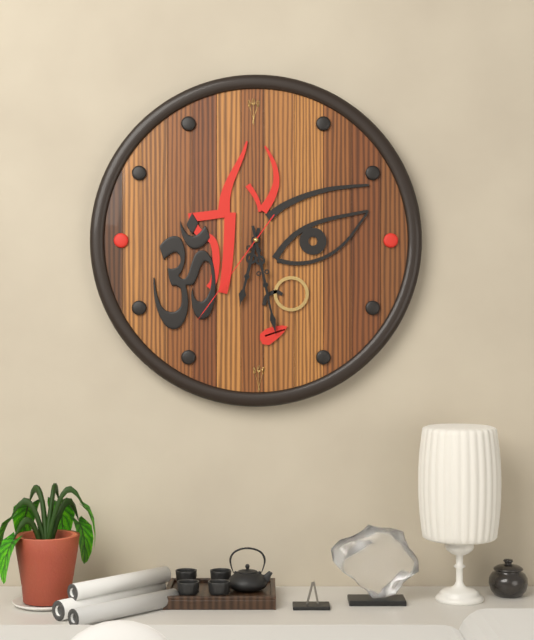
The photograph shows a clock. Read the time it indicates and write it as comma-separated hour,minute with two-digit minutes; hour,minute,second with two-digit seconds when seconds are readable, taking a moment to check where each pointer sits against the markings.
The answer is 6,28,36
